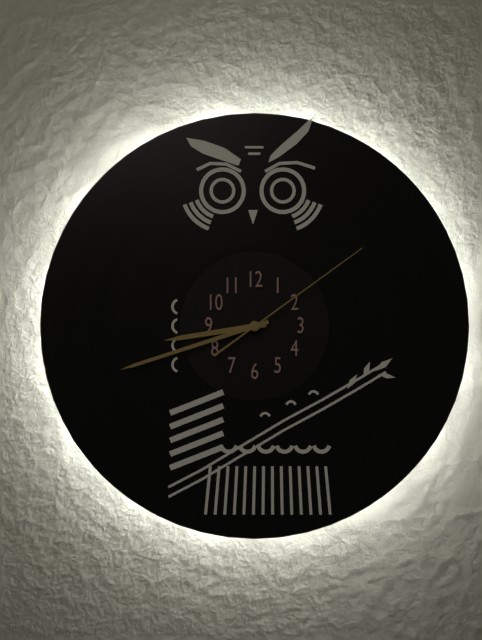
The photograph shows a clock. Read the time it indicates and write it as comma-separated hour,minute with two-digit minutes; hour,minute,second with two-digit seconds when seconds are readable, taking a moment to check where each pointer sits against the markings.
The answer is 8,42,09
